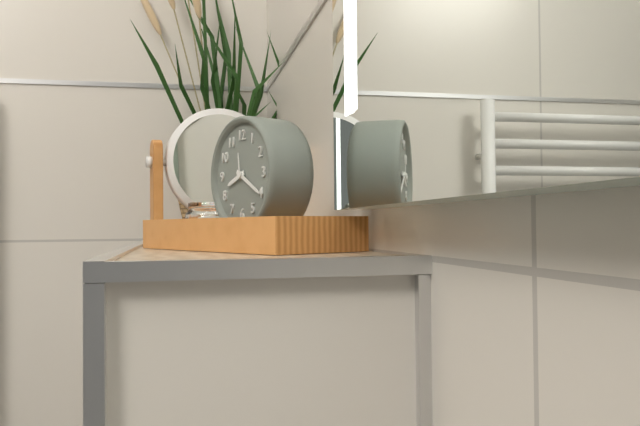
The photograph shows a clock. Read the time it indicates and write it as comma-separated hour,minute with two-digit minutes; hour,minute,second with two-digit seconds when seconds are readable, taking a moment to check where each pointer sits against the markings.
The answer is 8,20
